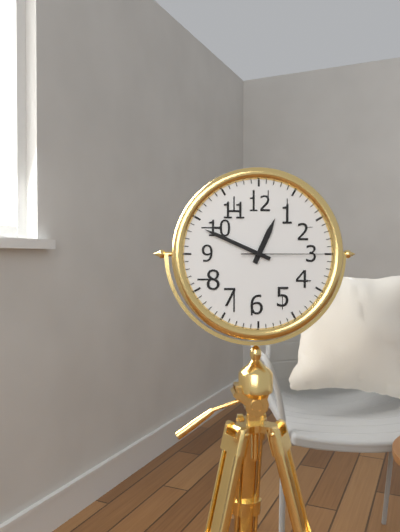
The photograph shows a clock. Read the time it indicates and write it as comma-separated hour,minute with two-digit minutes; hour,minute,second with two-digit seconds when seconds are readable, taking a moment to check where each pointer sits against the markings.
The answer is 12,49,15
